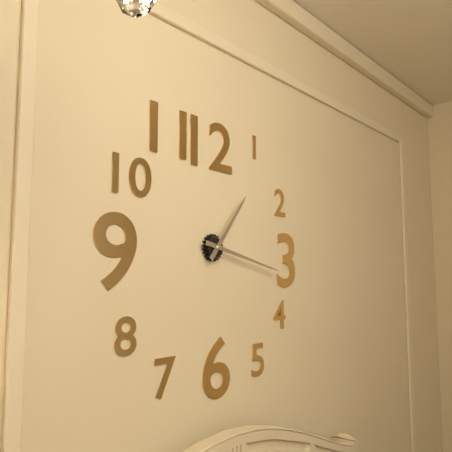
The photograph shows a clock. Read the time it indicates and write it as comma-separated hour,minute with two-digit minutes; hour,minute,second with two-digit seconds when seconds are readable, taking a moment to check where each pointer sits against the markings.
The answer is 1,17
